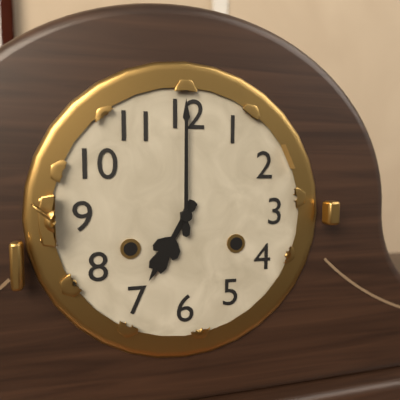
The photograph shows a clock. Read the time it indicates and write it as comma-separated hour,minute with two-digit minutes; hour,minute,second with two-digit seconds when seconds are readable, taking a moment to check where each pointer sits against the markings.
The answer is 7,00
